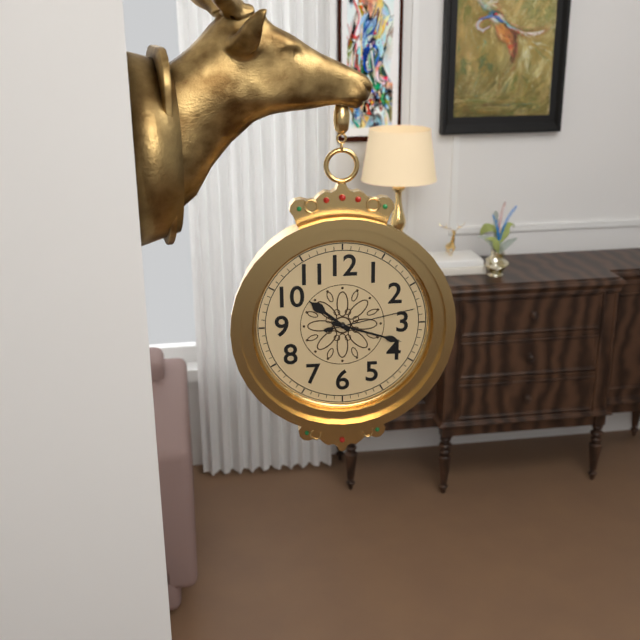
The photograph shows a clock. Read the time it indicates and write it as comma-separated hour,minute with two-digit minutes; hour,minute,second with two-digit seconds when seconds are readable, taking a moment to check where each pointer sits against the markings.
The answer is 10,18,13
